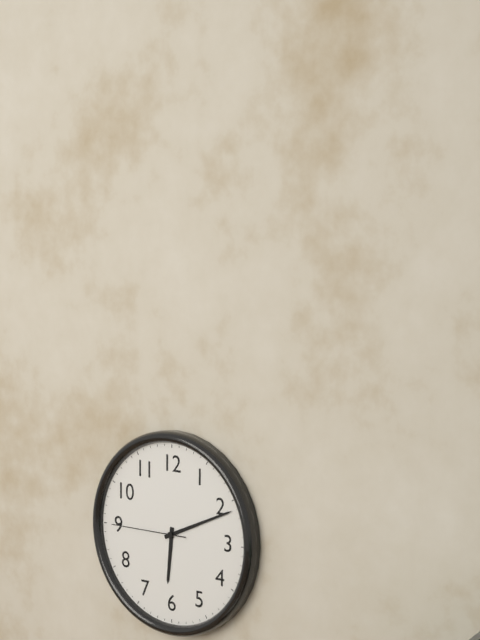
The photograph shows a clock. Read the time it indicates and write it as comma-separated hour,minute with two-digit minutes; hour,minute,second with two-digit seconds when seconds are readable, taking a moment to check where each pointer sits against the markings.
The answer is 6,11,45
